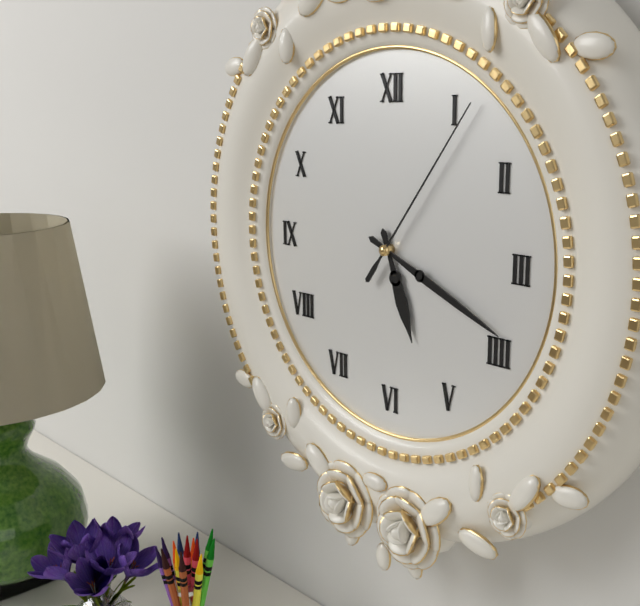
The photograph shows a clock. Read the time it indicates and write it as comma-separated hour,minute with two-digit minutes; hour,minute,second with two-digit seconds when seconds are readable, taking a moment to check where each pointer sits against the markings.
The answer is 5,19,06
